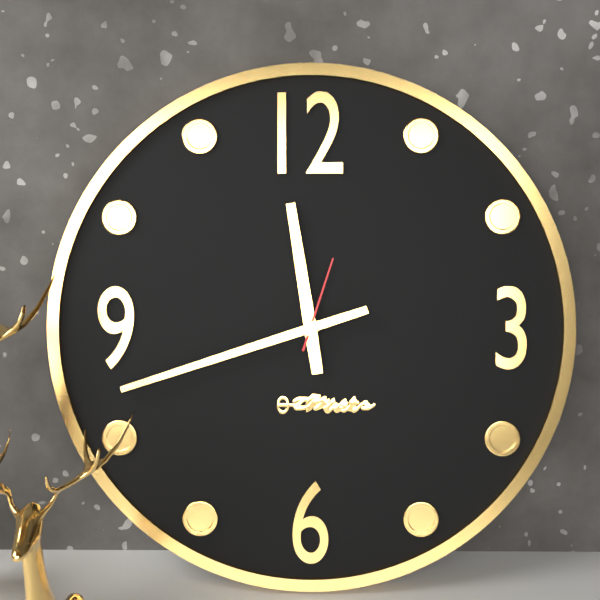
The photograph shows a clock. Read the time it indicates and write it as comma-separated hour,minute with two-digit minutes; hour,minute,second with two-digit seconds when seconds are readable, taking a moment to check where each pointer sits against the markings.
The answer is 11,42,03
